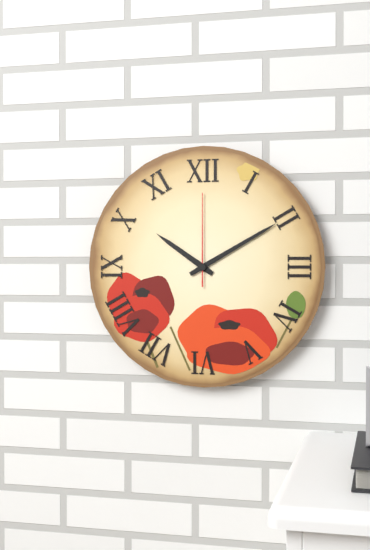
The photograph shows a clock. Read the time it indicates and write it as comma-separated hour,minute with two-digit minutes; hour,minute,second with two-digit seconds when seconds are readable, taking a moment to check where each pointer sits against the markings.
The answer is 10,10,00
